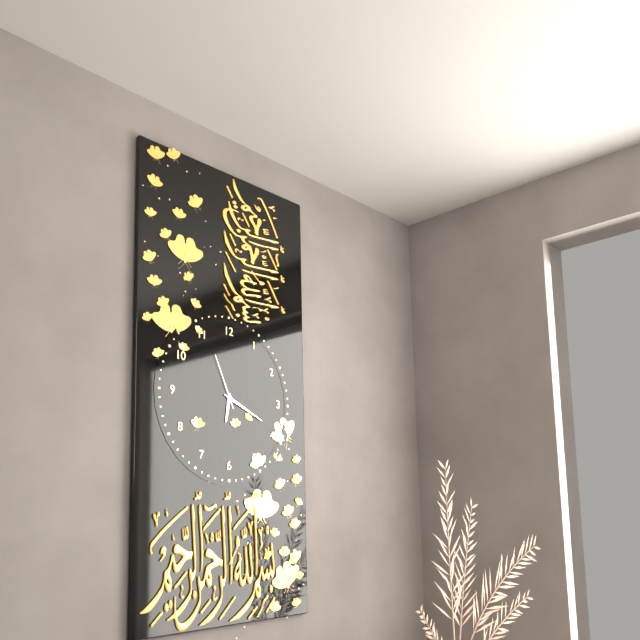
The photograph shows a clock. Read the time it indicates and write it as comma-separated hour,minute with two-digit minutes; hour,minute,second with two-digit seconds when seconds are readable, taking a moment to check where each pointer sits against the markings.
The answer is 6,19,56
